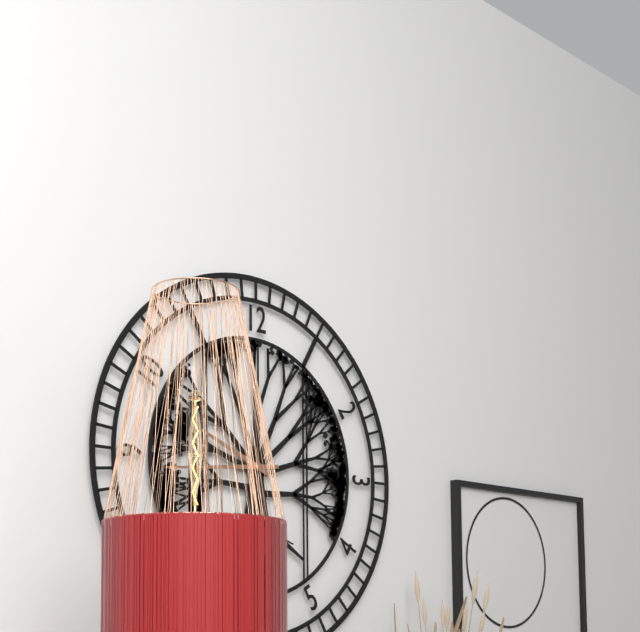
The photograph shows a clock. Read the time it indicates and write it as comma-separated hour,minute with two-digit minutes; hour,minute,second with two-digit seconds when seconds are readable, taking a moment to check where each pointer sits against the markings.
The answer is 9,44
